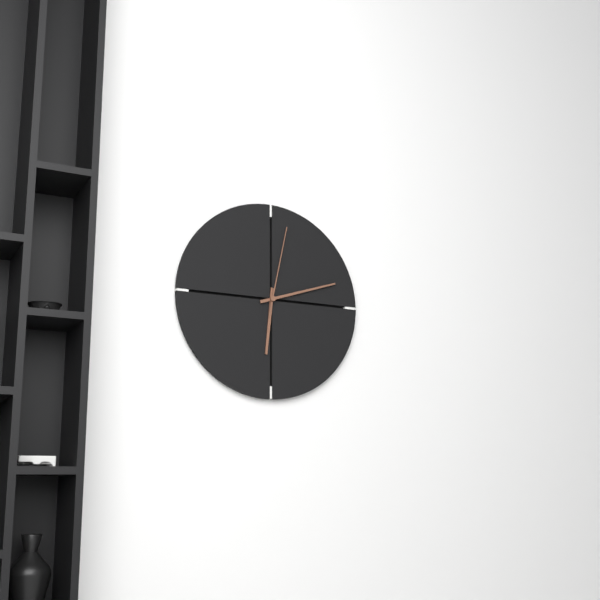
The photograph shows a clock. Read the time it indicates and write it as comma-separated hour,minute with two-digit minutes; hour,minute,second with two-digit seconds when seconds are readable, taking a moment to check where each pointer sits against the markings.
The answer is 6,12,02
